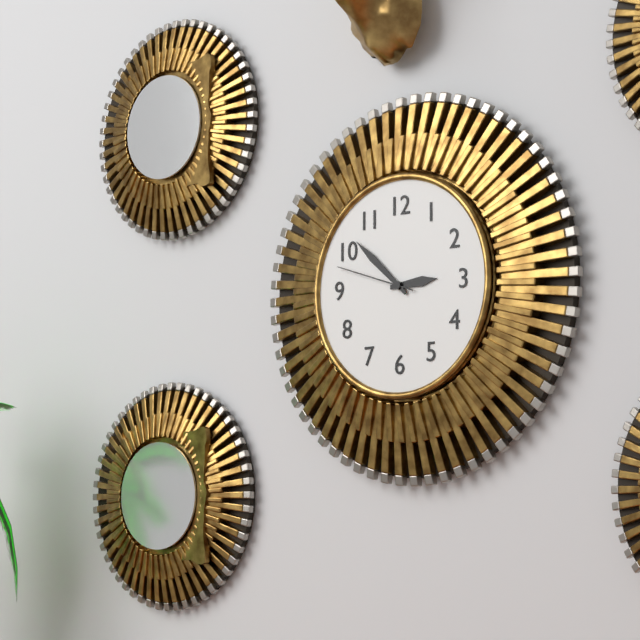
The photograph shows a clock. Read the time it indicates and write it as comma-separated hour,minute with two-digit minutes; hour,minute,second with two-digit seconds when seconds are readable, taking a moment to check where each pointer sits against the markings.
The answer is 2,52,48
